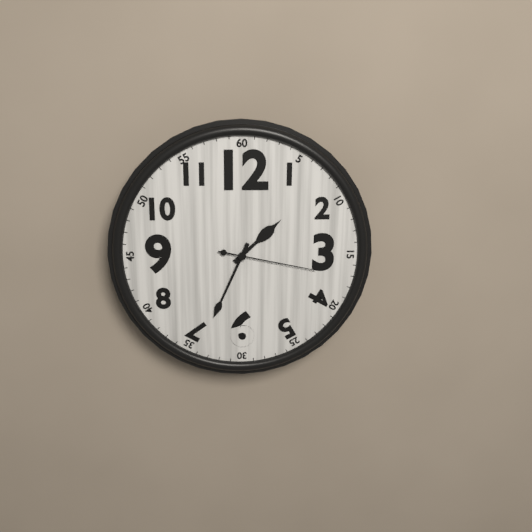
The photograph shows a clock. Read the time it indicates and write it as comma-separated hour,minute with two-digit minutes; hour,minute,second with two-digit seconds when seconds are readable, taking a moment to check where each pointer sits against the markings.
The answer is 1,34,17
